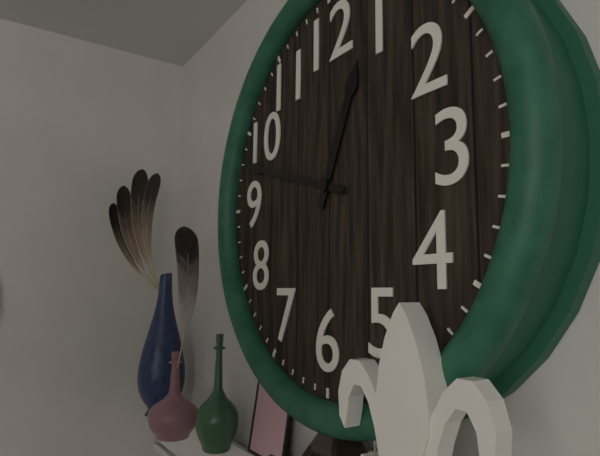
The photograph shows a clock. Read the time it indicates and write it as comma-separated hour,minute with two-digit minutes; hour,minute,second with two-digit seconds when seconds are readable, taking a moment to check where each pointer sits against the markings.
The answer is 12,48
